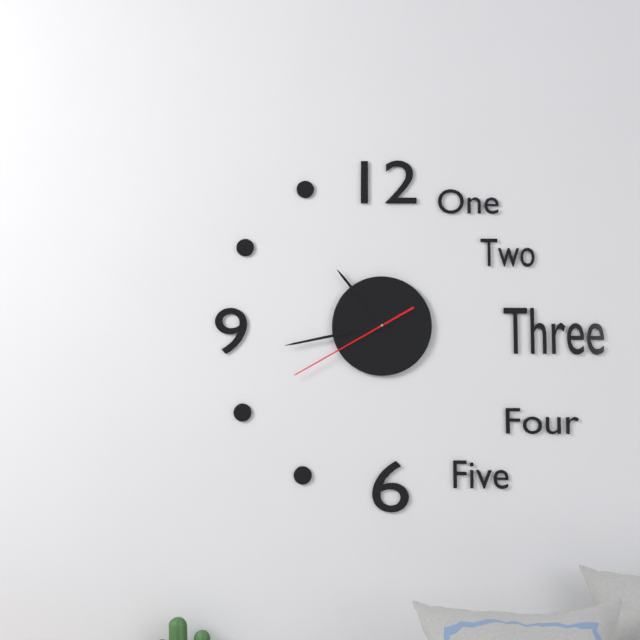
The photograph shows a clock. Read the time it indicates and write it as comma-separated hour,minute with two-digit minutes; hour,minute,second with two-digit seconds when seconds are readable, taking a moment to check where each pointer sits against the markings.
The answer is 10,43,40
